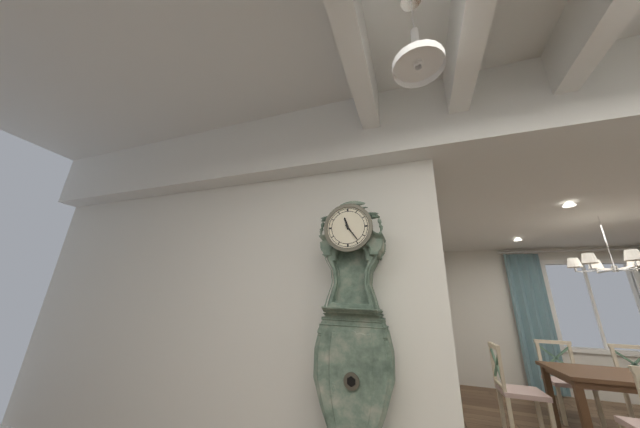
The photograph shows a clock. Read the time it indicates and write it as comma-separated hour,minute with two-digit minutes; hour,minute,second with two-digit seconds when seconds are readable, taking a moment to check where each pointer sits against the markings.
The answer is 11,24
